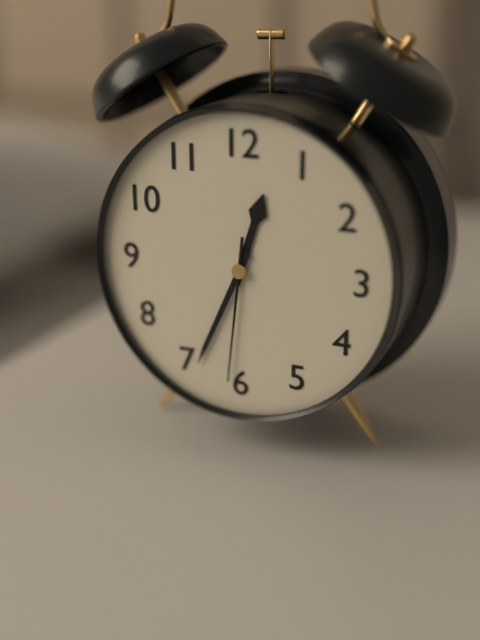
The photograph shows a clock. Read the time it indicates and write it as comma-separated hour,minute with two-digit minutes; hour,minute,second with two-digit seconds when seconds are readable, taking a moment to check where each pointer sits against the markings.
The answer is 12,34,31
